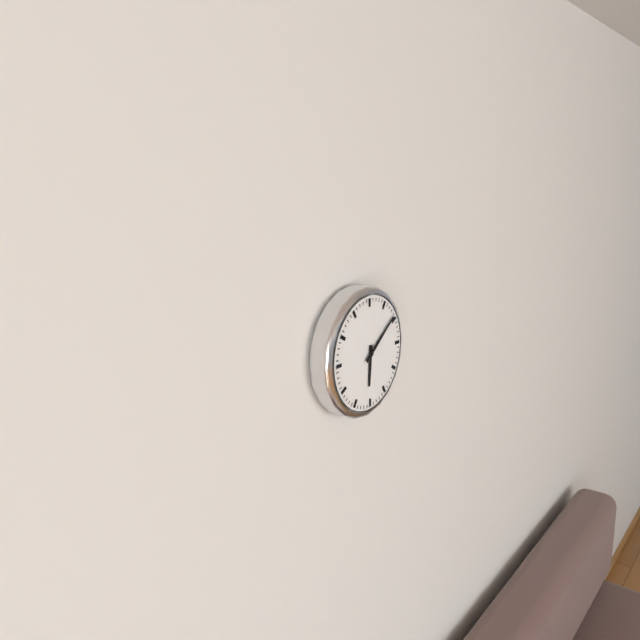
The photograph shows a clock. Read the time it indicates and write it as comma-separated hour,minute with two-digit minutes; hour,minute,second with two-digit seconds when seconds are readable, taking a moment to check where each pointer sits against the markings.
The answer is 6,09
